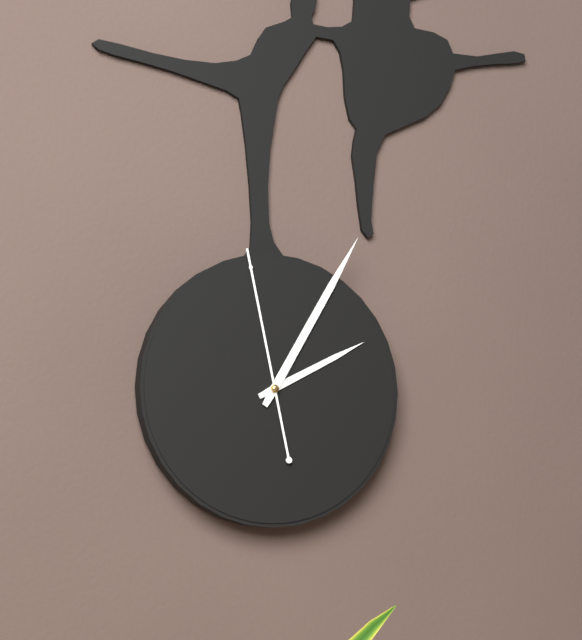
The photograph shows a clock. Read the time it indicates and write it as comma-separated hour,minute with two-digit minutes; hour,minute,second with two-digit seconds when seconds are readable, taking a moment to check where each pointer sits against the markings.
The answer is 2,05,58
